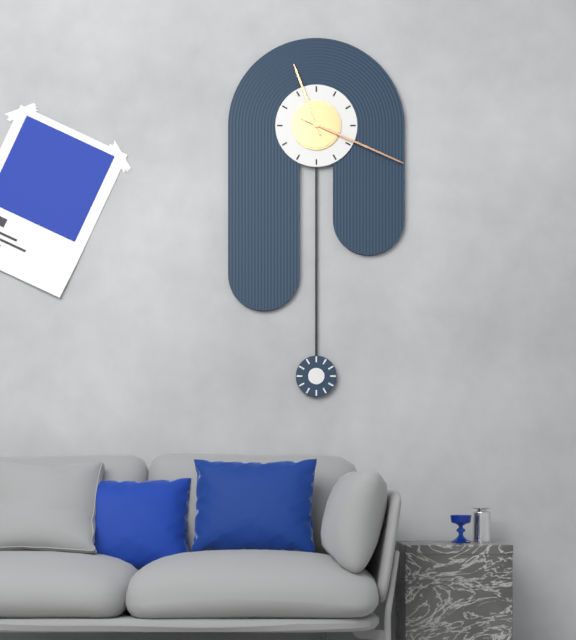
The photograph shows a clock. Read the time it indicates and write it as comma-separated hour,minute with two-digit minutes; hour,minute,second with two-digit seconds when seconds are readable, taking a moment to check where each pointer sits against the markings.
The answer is 11,19
